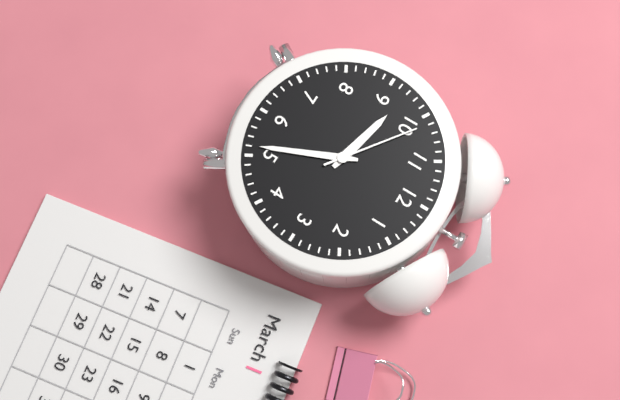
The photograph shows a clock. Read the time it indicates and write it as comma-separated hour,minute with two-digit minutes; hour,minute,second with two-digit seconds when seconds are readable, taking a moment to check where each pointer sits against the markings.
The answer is 9,26,51
